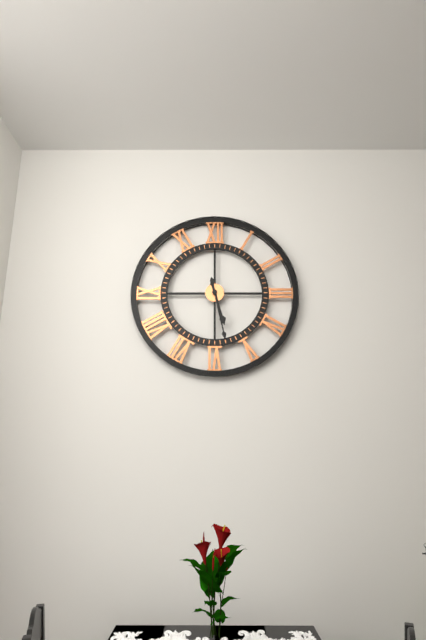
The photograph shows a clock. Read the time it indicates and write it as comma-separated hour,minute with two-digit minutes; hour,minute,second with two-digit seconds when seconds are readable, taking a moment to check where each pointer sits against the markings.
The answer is 5,28
